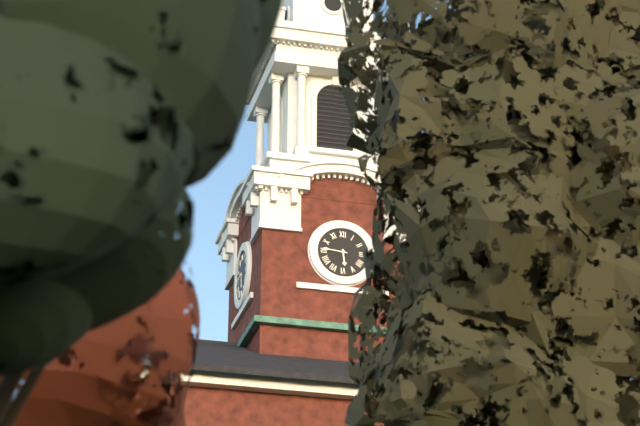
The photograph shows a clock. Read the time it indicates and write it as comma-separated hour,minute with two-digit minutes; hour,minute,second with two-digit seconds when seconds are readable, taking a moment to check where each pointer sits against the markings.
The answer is 5,46
